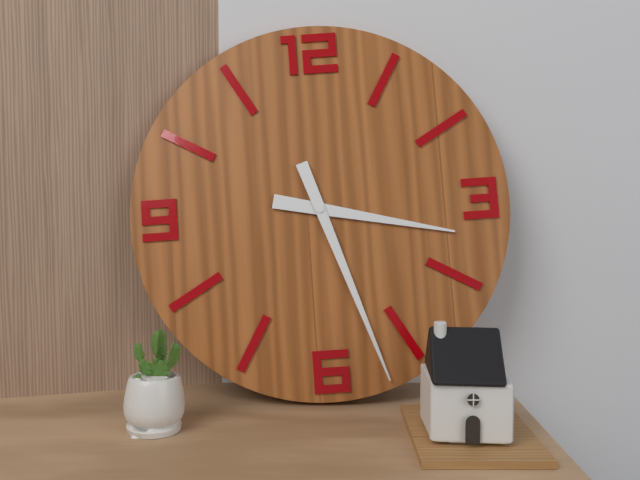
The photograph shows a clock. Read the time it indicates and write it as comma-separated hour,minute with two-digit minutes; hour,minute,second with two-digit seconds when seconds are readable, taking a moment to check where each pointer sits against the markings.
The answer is 3,27
